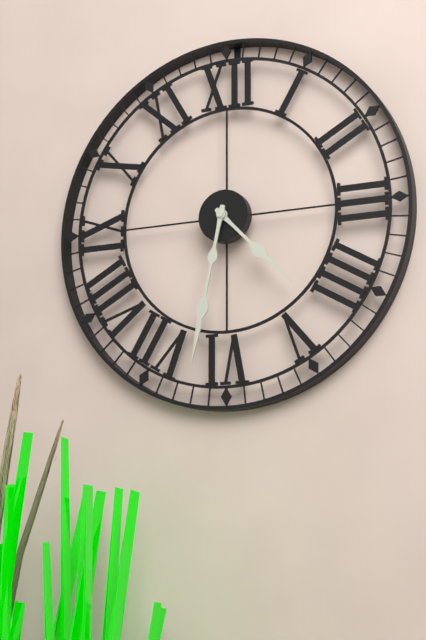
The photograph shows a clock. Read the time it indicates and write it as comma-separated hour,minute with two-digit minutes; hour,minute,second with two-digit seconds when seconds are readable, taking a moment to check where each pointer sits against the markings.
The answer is 4,32
